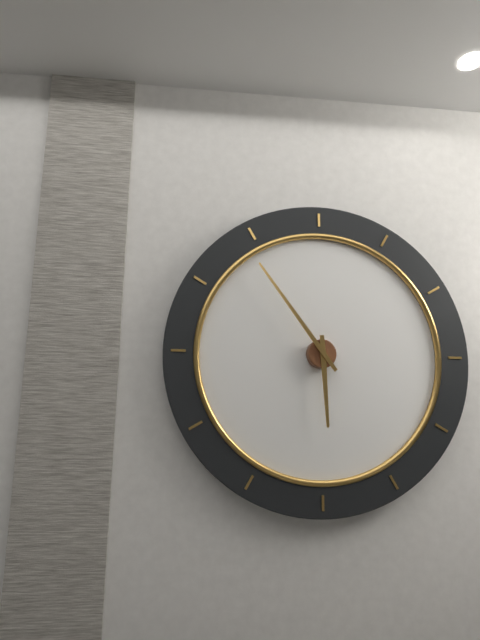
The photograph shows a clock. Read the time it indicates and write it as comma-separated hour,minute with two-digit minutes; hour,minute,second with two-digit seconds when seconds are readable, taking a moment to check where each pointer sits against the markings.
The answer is 5,54
